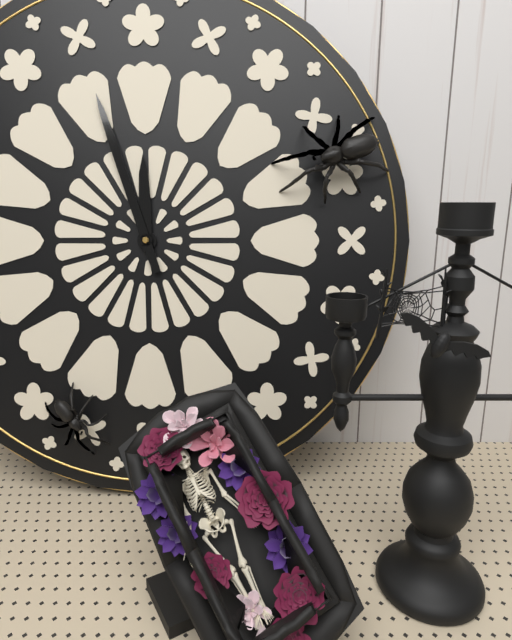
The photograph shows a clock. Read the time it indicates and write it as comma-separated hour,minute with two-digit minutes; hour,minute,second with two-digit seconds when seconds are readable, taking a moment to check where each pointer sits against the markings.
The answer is 11,57
